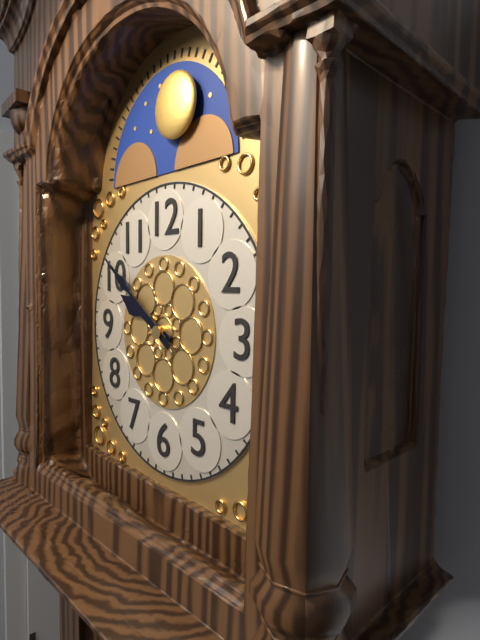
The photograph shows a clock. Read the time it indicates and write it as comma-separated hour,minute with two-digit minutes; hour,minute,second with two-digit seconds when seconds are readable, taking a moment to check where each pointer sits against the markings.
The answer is 9,51
